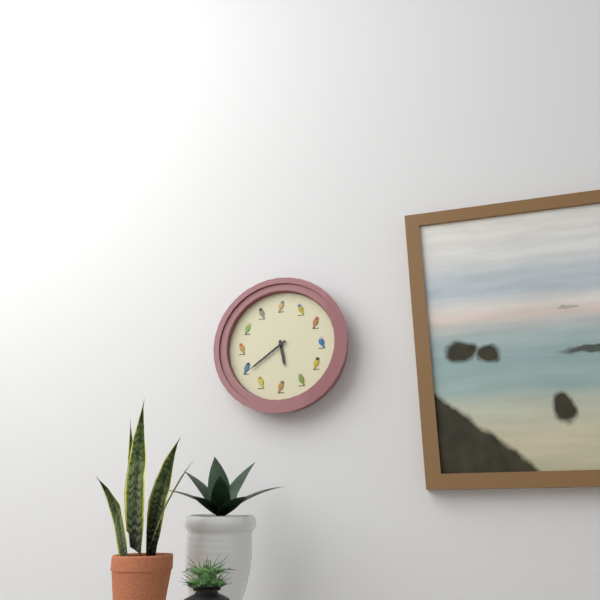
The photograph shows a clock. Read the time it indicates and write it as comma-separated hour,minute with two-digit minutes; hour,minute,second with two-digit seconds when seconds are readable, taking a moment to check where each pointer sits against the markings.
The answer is 5,39
